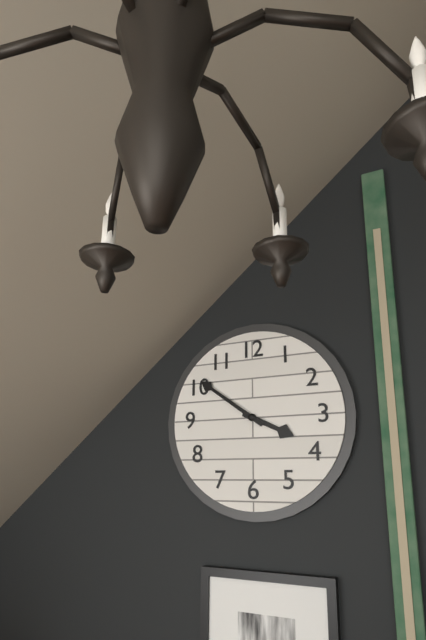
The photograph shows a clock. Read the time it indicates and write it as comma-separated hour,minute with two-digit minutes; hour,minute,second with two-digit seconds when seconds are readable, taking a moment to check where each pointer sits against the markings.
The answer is 3,51
